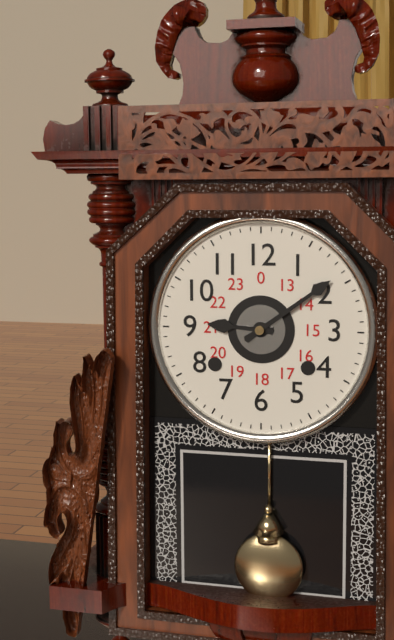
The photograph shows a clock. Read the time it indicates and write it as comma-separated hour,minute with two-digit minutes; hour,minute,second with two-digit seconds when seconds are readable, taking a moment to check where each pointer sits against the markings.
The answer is 9,09
